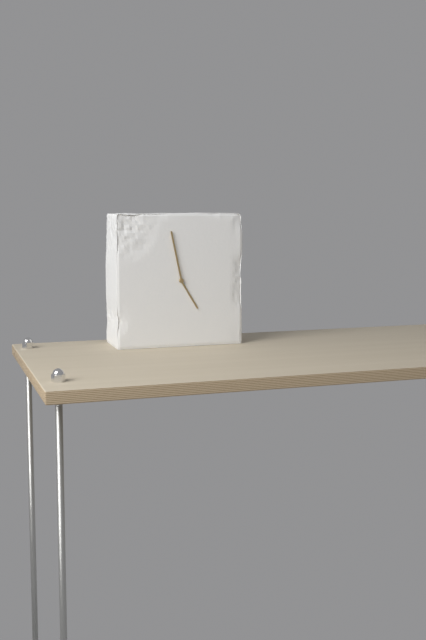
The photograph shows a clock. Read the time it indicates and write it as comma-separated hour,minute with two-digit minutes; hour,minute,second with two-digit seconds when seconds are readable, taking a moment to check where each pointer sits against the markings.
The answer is 4,58
